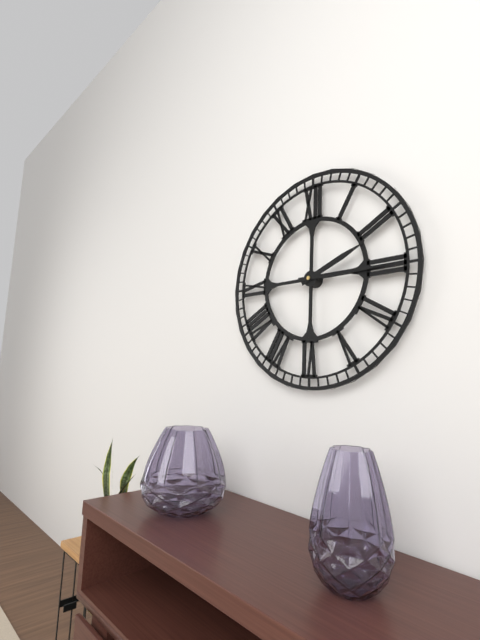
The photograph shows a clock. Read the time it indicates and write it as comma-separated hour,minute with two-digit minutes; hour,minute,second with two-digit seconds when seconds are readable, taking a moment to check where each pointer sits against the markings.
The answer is 2,15
